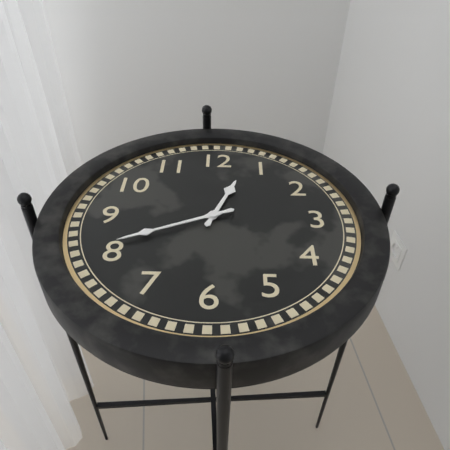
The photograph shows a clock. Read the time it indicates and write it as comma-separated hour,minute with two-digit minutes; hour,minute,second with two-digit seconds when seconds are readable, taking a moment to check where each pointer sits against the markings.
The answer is 12,41
